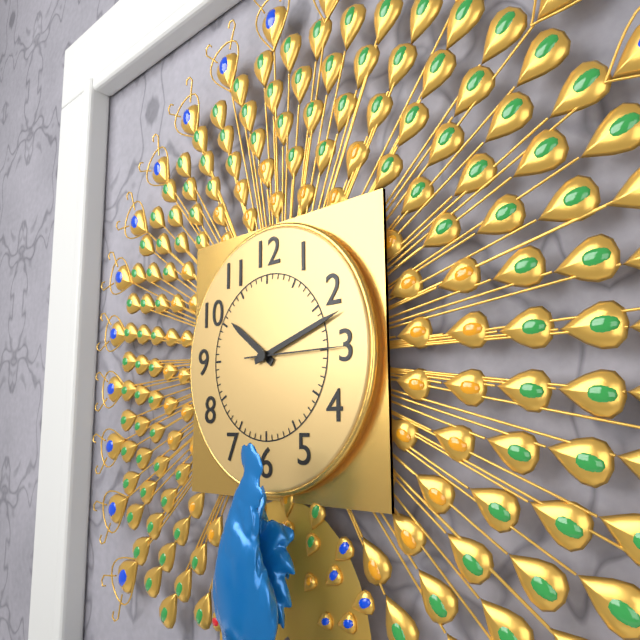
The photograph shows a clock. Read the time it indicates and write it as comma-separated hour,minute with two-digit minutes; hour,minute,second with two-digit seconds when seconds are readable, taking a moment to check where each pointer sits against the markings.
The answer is 10,12,15
